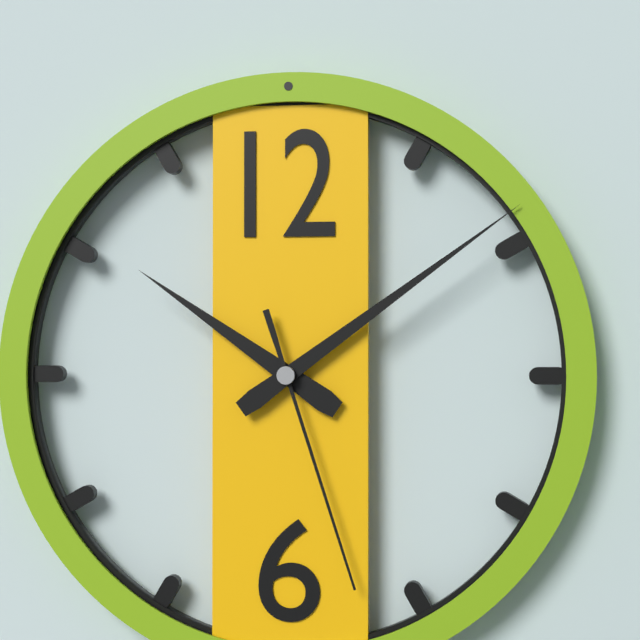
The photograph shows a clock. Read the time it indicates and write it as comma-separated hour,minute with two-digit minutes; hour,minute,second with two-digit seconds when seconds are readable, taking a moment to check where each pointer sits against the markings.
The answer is 10,09,27
